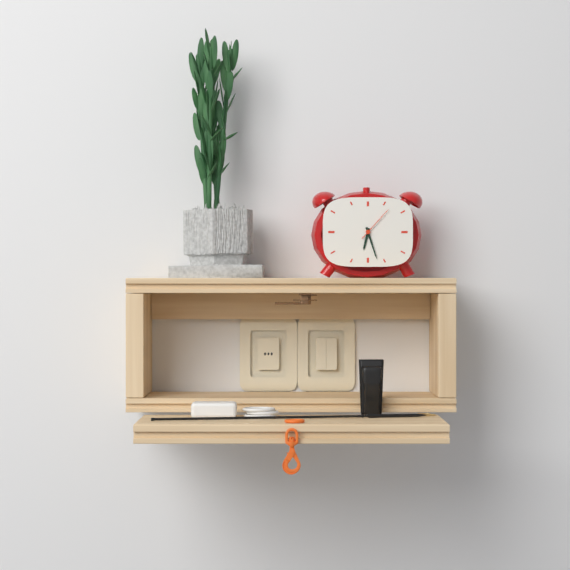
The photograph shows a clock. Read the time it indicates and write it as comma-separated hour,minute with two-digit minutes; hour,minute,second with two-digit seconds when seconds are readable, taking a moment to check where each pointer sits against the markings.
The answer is 6,27
